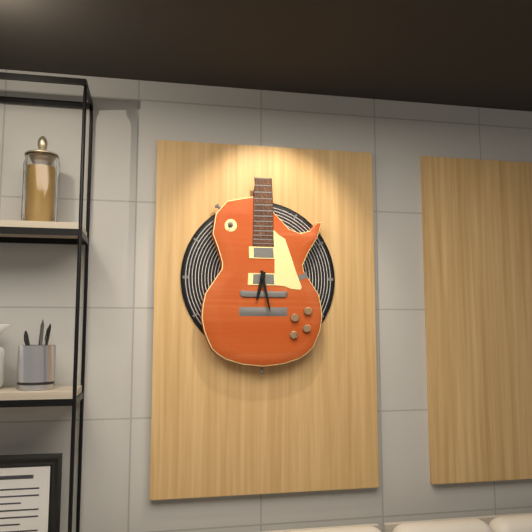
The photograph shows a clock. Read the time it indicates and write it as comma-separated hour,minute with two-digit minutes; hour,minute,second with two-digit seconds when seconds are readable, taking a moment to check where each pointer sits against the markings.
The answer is 6,28
